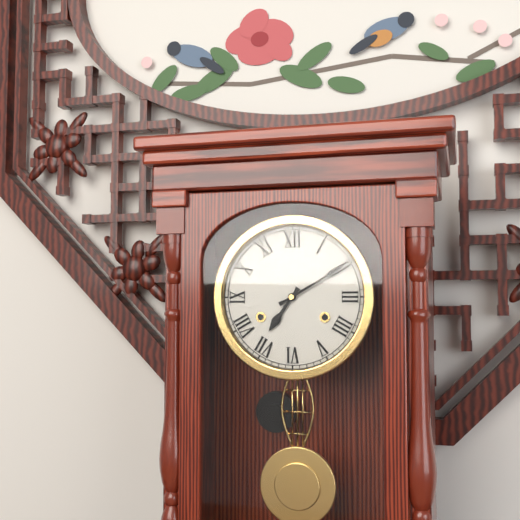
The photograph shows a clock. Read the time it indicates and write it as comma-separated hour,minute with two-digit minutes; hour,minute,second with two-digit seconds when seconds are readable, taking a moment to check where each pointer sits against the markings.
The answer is 7,10
